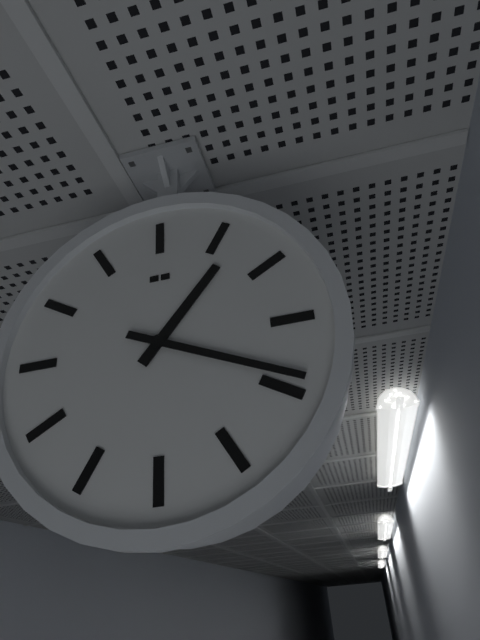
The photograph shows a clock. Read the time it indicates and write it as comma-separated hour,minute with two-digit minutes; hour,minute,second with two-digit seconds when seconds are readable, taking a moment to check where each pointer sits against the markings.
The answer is 1,19
